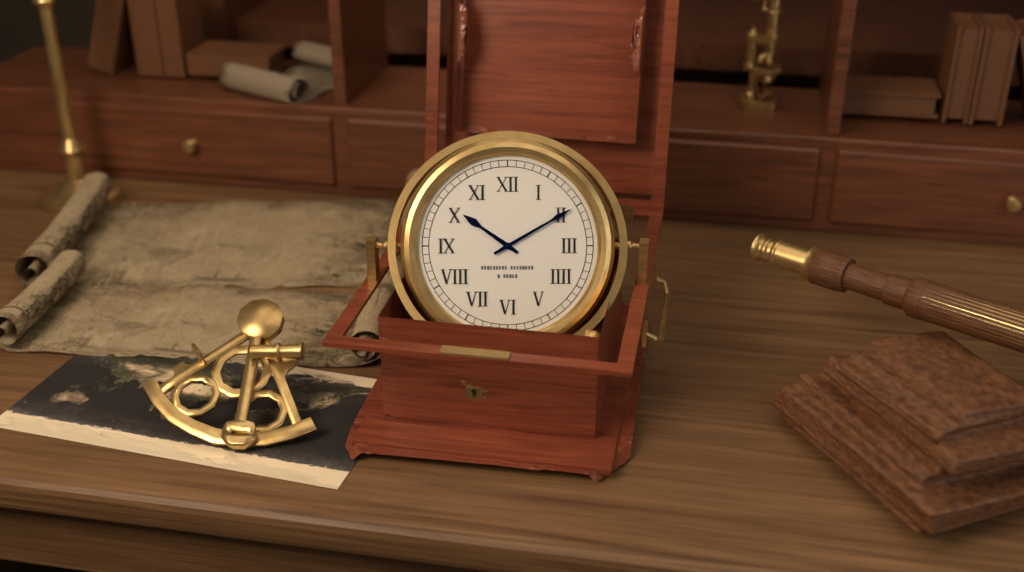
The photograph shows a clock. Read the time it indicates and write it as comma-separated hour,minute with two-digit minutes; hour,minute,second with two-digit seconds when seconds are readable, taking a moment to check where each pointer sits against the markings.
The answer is 10,10
